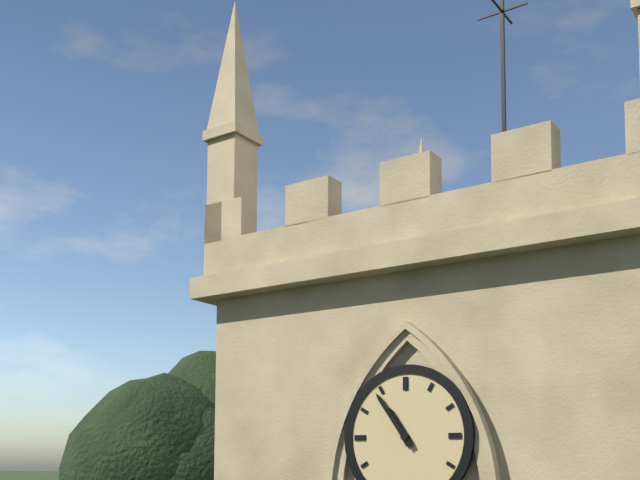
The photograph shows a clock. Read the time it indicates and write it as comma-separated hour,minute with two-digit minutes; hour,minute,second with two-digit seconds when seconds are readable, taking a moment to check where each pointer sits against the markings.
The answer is 10,54
